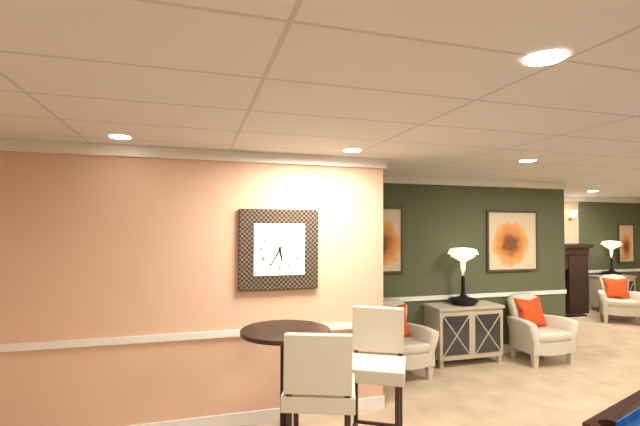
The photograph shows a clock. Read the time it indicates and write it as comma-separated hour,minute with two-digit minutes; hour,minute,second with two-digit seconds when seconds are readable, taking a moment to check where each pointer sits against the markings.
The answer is 5,35
